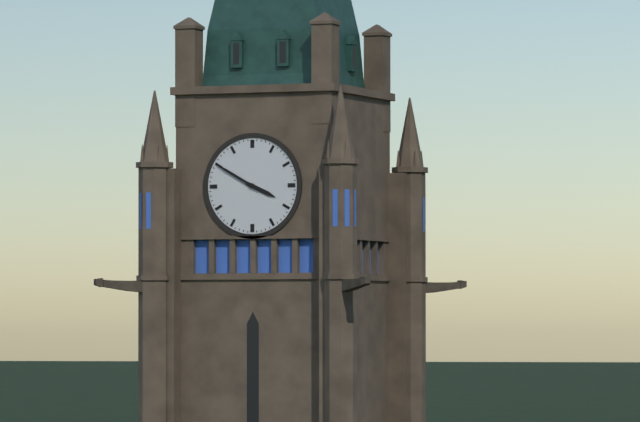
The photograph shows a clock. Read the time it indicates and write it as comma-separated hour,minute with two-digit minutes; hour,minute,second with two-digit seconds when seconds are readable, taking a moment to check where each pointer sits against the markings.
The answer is 3,50
